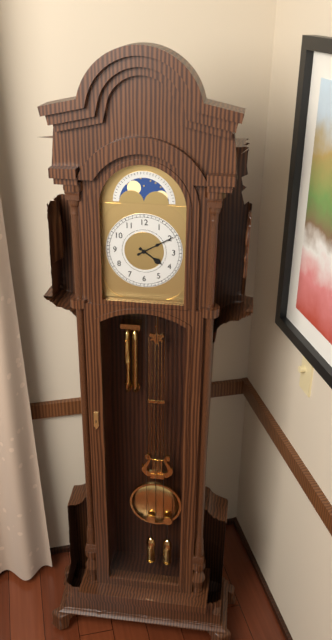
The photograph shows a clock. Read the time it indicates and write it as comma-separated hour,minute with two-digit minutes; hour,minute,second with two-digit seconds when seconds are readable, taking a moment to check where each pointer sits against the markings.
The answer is 4,10
